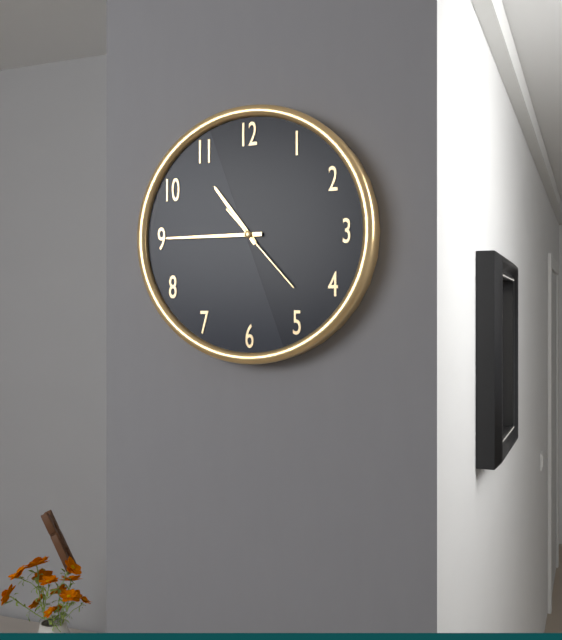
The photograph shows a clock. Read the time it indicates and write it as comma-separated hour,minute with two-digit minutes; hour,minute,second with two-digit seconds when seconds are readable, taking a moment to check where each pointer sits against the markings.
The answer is 10,45,23
